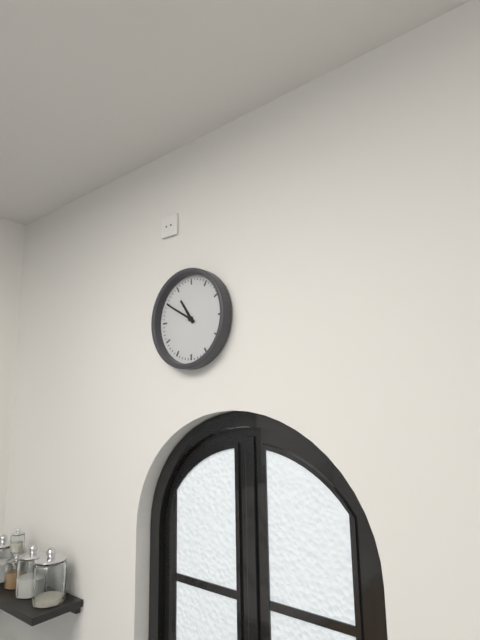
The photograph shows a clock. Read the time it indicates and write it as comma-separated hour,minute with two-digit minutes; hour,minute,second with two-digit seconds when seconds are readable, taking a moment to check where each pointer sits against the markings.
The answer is 10,50
